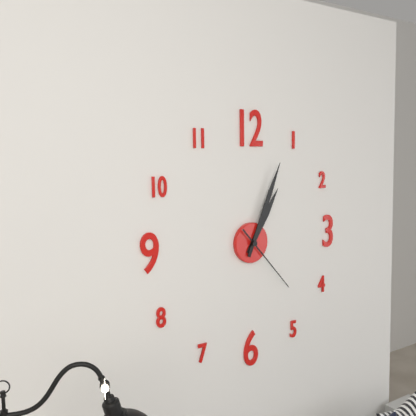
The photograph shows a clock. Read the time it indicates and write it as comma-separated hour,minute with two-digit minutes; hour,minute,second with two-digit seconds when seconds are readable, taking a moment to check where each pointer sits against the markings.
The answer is 1,04,23
